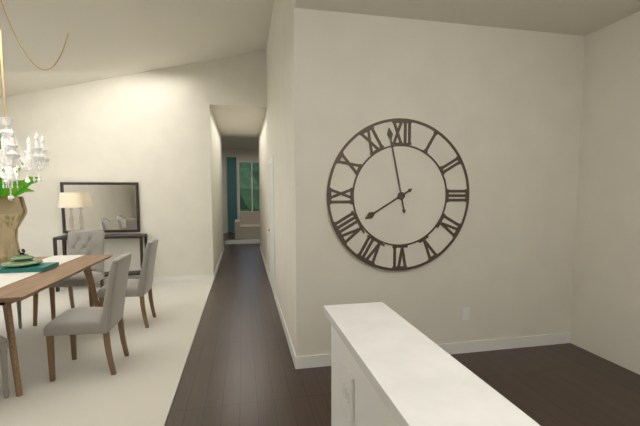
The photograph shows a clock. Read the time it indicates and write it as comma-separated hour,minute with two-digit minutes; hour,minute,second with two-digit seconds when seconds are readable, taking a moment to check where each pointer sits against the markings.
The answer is 7,58
